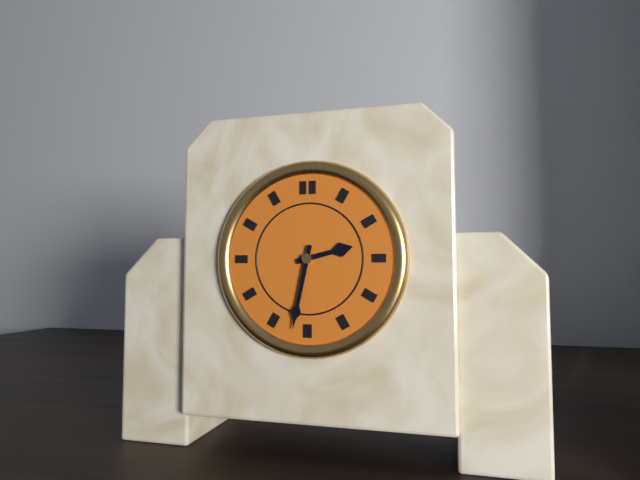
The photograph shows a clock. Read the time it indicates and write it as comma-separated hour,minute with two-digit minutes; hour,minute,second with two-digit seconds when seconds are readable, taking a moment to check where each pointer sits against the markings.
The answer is 2,32
